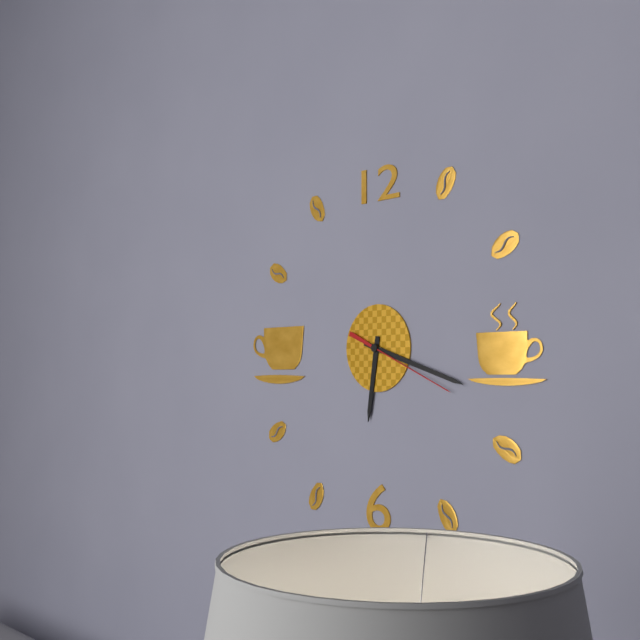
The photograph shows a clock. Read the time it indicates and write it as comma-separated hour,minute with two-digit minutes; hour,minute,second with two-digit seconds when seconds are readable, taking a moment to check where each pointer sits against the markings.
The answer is 6,18,19
